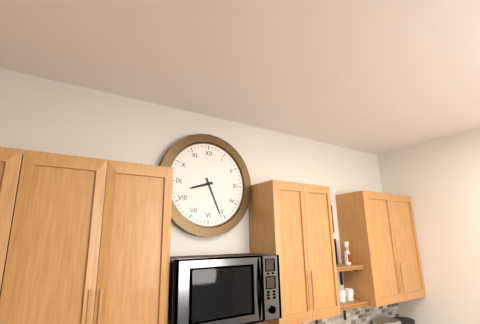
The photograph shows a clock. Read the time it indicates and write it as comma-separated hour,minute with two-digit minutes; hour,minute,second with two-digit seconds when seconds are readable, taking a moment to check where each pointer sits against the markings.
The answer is 8,26
